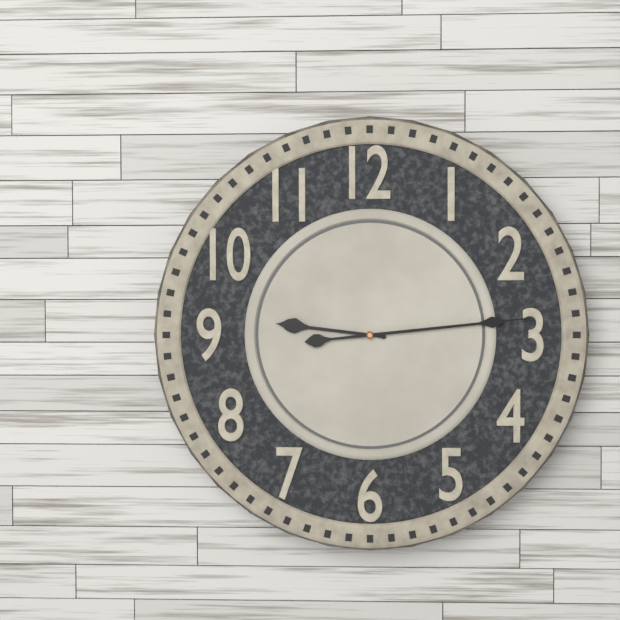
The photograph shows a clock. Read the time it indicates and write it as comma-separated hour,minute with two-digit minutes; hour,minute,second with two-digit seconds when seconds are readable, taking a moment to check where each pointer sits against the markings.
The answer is 9,14
